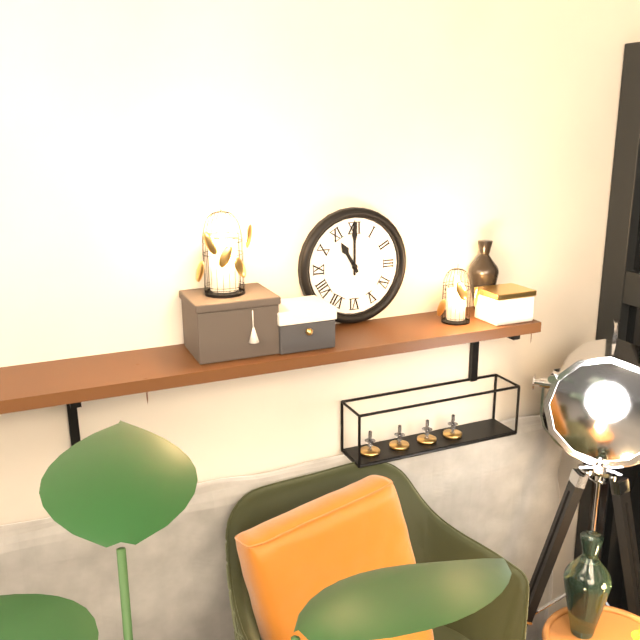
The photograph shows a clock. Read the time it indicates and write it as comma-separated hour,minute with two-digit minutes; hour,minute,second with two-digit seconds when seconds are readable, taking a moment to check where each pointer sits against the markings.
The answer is 11,00
